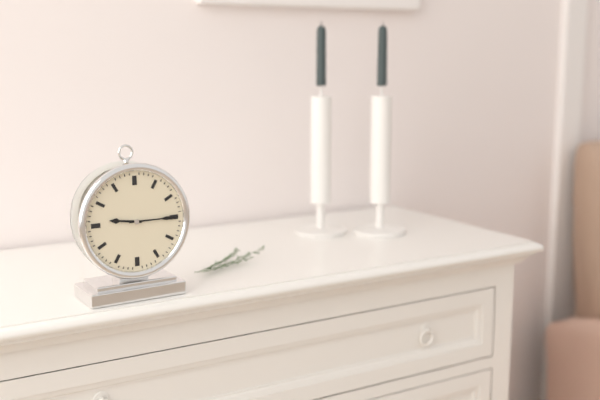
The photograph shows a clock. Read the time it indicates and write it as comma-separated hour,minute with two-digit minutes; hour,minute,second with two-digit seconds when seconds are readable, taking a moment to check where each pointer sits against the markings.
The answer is 9,15
